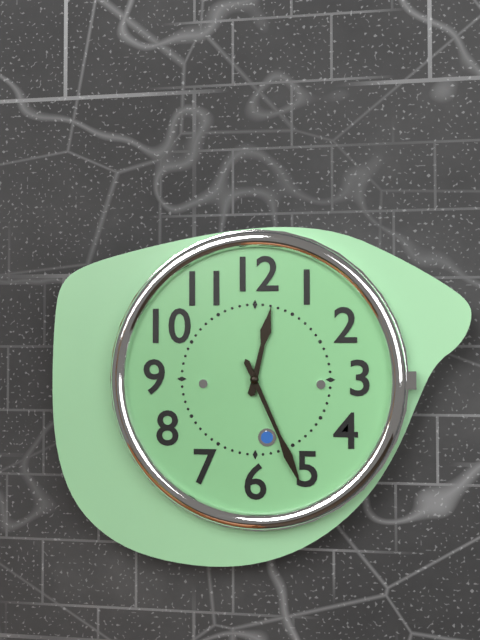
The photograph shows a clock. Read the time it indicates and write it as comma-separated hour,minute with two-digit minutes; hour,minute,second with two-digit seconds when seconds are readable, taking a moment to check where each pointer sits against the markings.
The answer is 12,26
